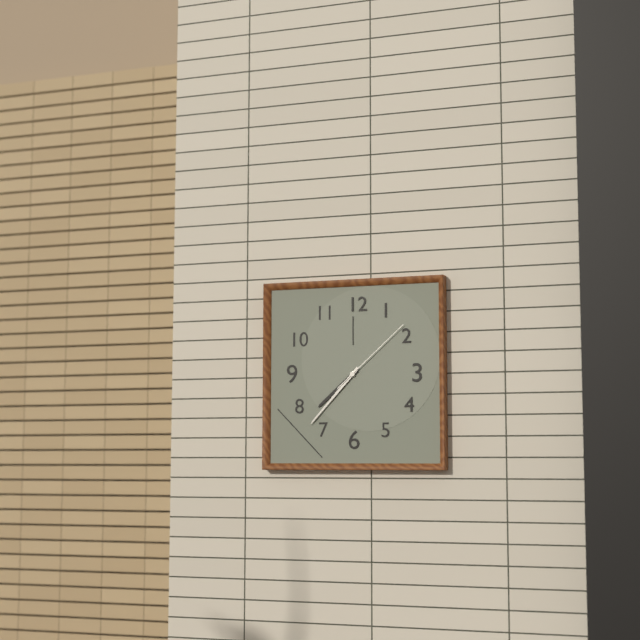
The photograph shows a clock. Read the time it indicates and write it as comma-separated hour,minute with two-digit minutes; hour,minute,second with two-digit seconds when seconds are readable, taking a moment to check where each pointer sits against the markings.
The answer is 7,37,08
